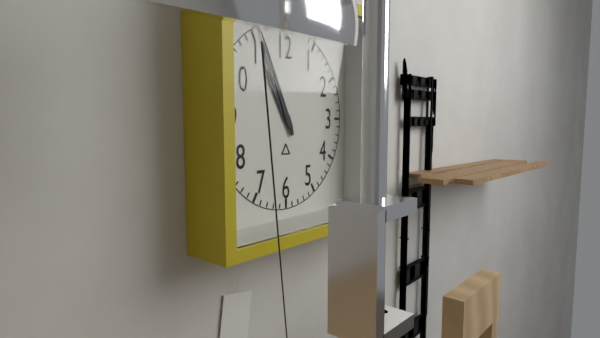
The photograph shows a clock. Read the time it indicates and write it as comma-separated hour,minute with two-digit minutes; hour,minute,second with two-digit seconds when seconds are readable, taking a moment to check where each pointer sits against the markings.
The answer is 10,56
